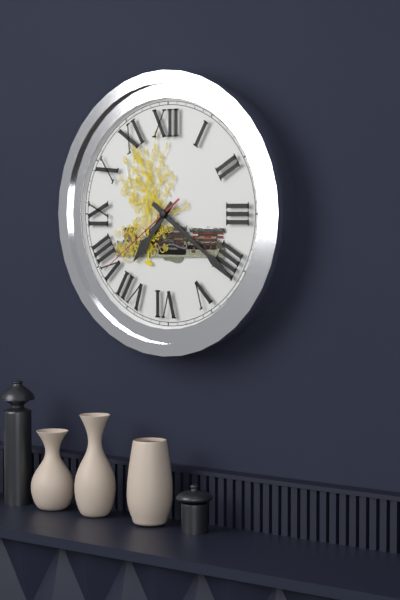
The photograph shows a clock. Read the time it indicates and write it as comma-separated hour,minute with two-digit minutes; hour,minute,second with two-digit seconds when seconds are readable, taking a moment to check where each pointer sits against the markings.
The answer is 7,21,39
